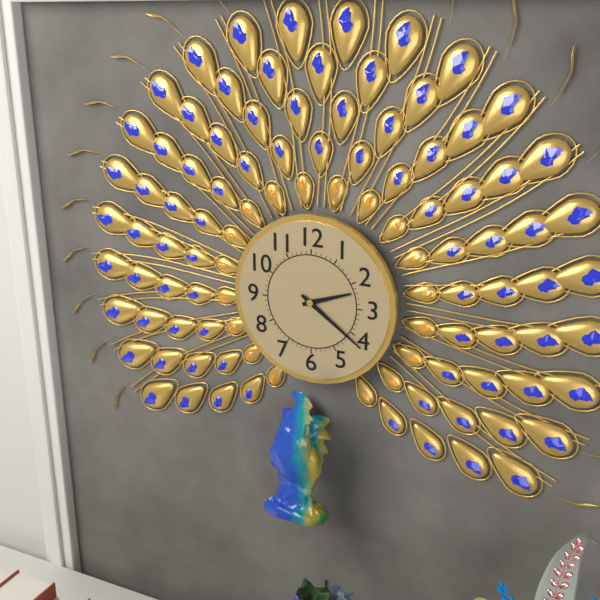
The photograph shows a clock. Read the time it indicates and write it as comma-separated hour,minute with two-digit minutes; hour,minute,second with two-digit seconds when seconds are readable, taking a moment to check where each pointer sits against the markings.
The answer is 2,21
